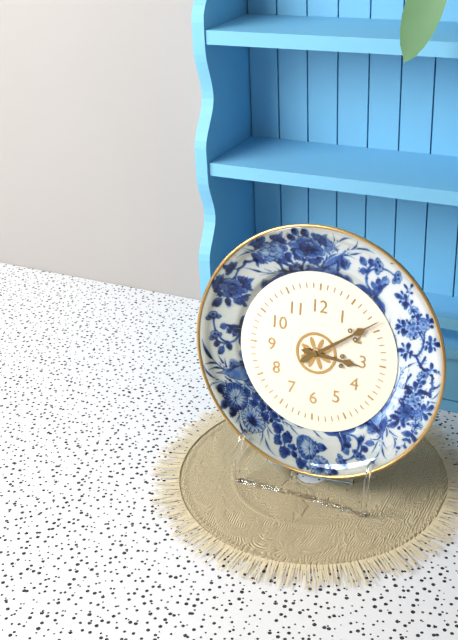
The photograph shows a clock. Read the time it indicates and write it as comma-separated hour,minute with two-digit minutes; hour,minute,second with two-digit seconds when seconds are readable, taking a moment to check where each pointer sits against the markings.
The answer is 3,09
